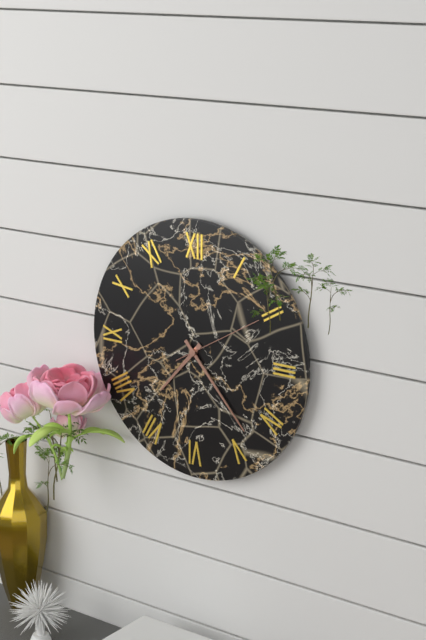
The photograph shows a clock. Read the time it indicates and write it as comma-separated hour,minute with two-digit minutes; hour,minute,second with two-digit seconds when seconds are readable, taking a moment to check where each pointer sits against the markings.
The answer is 7,23,10
